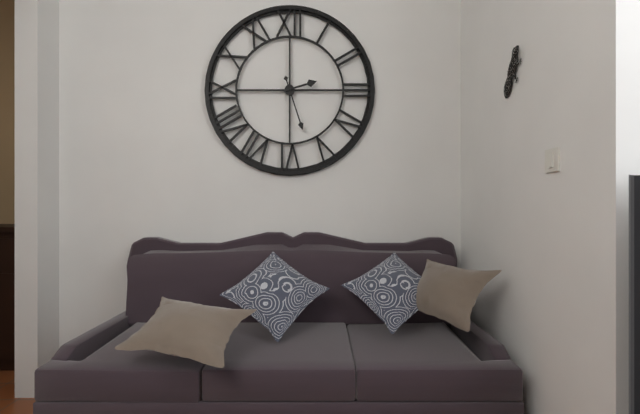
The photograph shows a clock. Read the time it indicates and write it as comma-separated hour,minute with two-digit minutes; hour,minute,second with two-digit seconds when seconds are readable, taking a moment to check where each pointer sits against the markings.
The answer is 2,27
